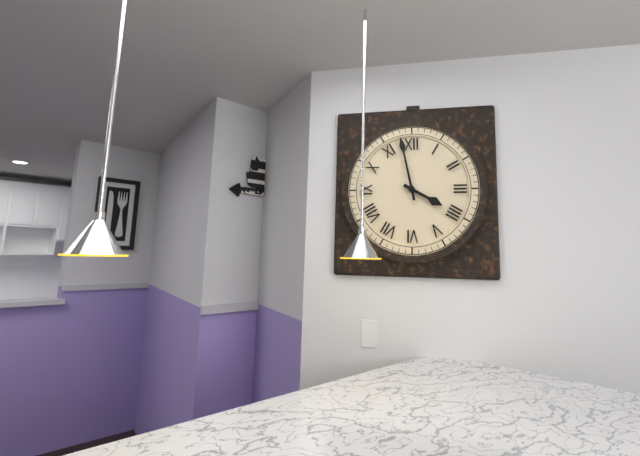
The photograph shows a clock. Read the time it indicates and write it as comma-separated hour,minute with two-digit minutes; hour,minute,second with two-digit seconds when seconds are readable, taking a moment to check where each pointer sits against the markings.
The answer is 3,58
